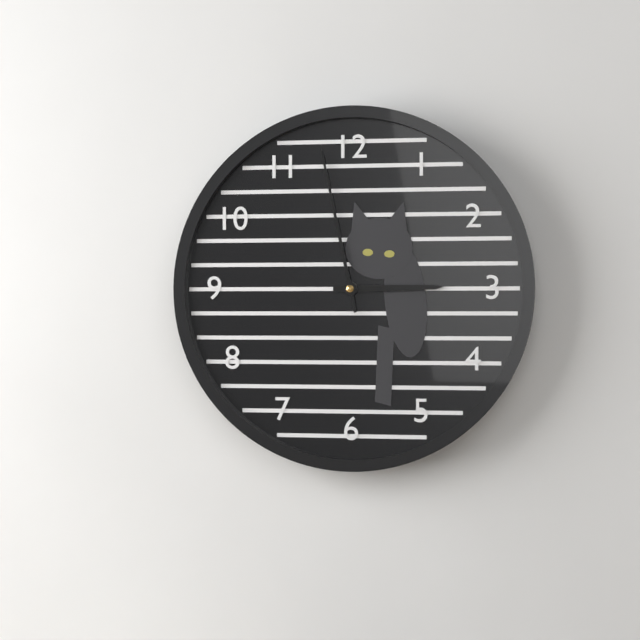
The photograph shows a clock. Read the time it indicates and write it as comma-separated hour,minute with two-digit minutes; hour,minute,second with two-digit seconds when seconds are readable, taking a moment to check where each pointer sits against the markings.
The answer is 2,58
